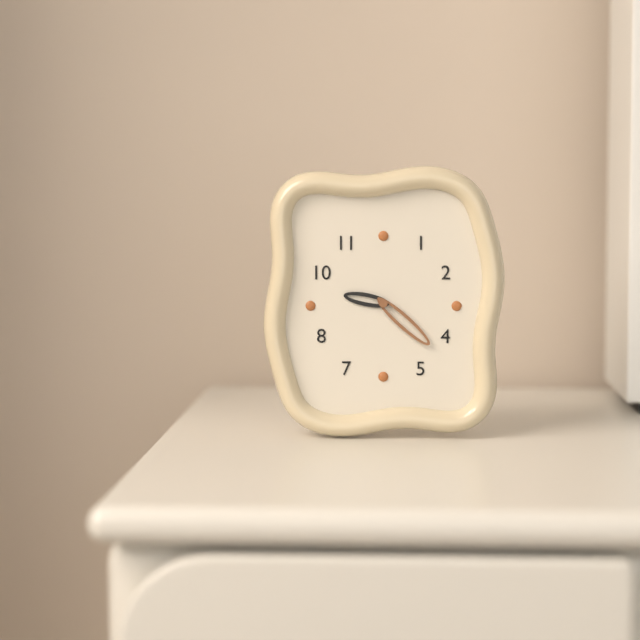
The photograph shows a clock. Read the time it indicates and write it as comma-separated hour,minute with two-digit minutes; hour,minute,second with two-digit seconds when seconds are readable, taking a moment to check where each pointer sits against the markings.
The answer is 9,22
